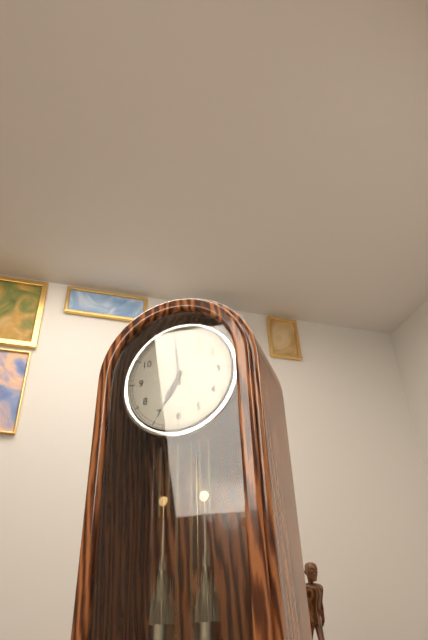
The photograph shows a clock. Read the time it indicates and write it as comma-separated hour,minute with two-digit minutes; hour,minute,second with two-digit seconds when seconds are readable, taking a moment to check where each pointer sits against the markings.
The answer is 6,59
